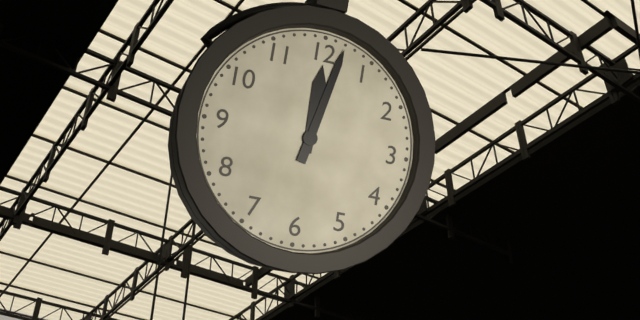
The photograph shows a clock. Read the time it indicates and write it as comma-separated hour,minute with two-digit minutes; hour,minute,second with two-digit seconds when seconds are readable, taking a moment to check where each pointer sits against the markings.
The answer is 12,02
